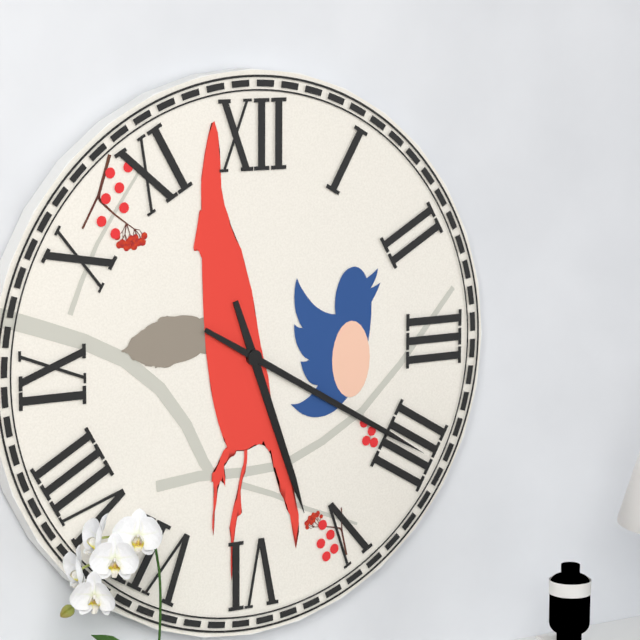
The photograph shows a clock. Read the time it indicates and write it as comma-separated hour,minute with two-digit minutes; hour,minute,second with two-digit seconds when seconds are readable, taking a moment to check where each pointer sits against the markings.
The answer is 5,20
